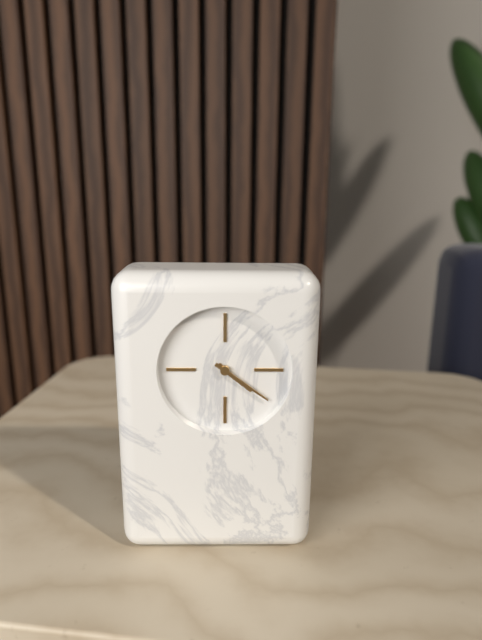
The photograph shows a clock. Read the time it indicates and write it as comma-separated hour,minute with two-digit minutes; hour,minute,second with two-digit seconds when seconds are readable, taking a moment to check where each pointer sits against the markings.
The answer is 4,21
